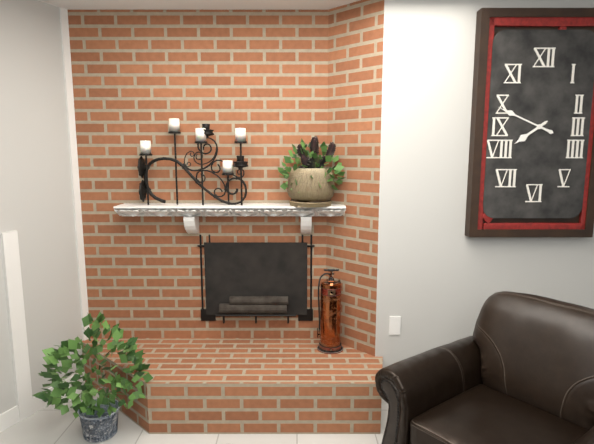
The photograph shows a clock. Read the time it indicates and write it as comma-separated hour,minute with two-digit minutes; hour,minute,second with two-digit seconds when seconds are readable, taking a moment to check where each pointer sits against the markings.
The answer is 7,49
